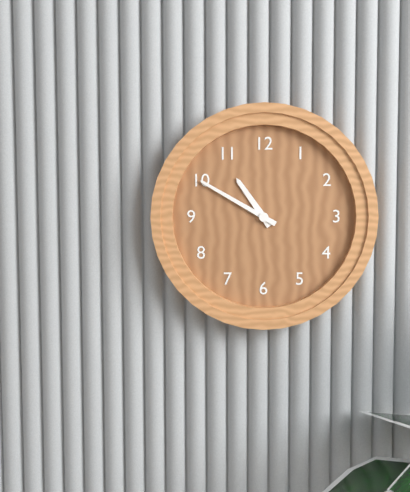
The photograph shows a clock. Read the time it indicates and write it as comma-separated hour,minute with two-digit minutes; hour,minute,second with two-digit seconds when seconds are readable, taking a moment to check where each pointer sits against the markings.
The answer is 10,50
